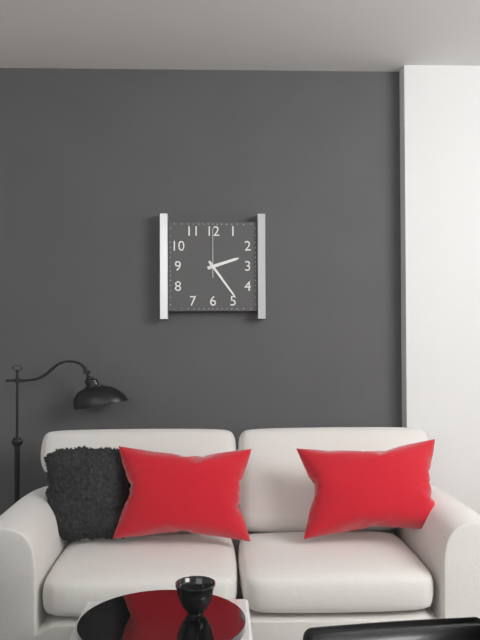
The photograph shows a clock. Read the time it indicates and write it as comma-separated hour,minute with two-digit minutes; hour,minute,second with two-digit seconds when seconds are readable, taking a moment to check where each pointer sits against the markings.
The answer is 2,24
